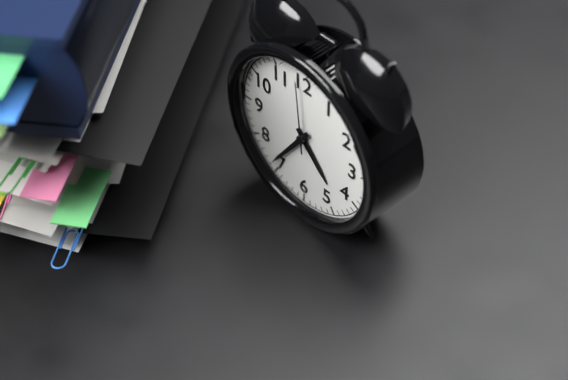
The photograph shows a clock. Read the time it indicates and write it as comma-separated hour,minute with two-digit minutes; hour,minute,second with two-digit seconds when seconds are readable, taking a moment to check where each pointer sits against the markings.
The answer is 4,36,59
